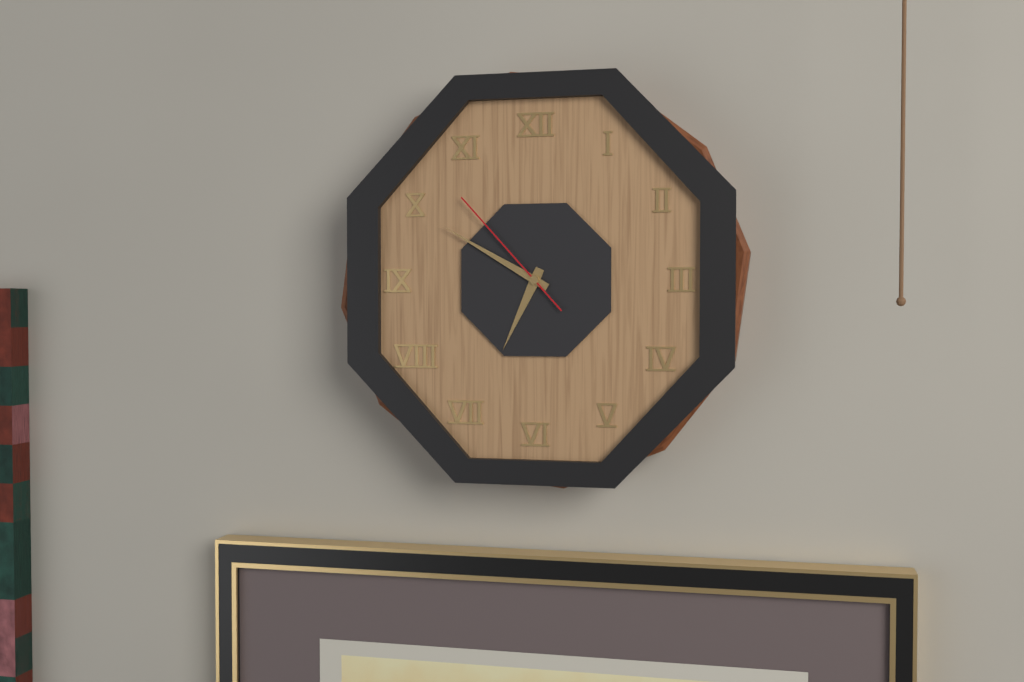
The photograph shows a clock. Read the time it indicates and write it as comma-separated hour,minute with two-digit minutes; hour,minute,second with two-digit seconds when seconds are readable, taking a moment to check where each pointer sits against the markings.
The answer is 6,50,53
